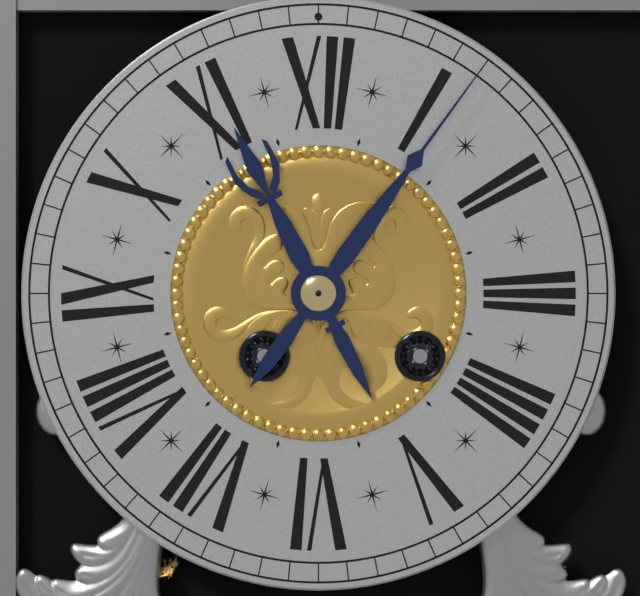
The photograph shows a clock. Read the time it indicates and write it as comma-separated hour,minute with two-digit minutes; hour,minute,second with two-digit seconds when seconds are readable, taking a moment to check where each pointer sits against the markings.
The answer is 11,06
